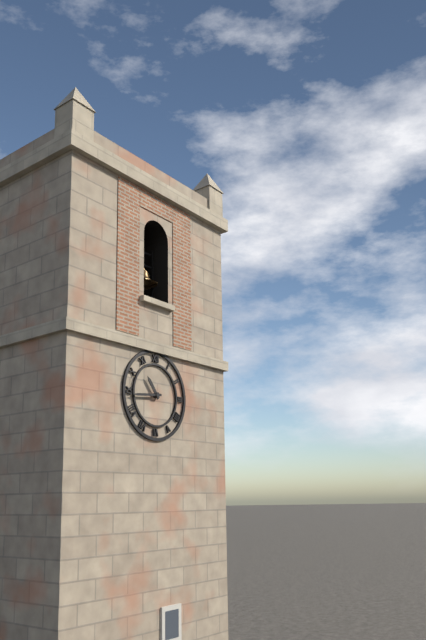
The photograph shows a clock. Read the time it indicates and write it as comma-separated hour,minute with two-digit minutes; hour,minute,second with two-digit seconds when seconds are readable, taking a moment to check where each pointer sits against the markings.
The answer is 10,44
